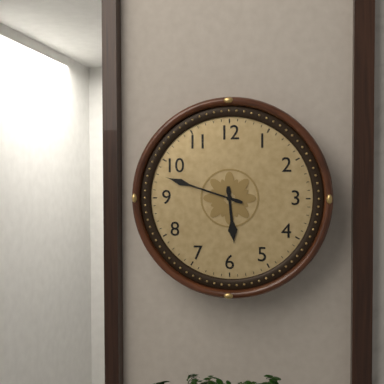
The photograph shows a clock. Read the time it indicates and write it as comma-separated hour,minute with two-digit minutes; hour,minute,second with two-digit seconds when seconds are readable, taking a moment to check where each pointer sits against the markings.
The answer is 5,48
